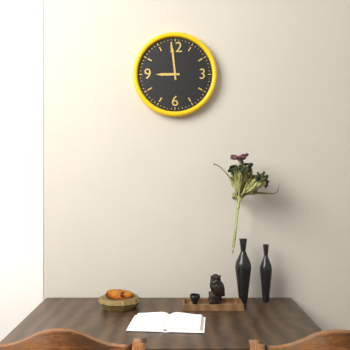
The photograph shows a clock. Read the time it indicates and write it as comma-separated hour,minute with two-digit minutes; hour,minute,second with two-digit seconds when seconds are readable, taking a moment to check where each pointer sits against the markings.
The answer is 8,59
